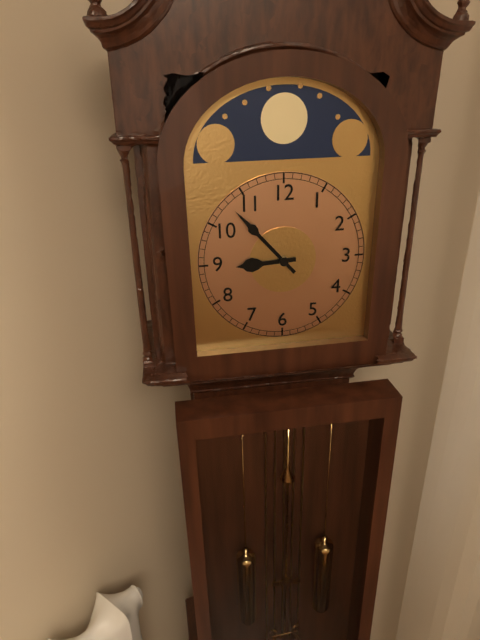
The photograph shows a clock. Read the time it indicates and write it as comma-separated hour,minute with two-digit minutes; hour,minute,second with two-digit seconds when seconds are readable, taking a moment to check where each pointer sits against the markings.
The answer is 8,53
